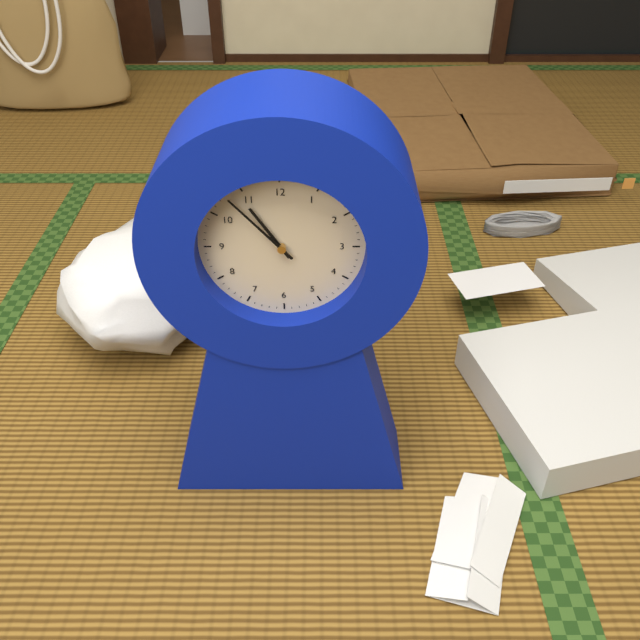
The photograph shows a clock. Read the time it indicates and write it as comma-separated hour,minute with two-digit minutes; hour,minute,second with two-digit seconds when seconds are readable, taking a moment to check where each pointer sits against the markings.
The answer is 10,53
